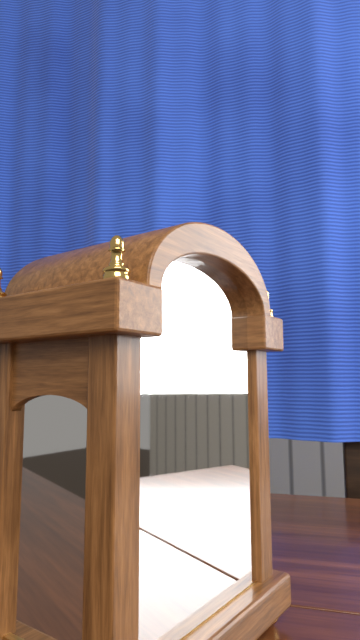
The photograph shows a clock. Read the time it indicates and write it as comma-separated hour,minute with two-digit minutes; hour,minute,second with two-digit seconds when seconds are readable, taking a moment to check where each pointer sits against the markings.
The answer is 4,26
